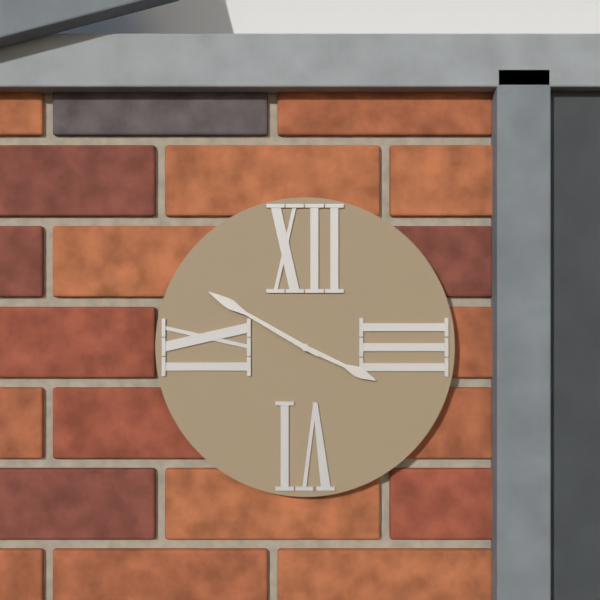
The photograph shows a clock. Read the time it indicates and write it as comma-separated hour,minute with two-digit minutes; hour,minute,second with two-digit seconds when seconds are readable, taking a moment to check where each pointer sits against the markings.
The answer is 3,50
